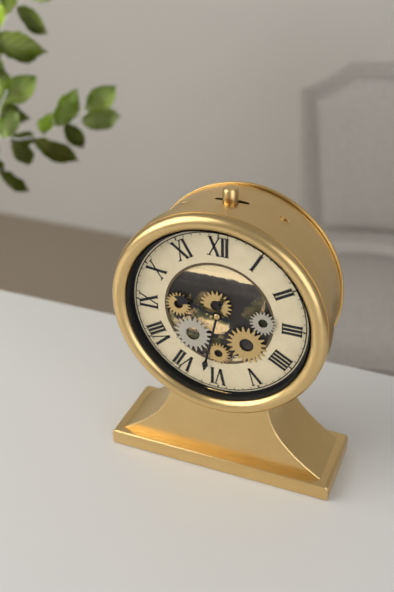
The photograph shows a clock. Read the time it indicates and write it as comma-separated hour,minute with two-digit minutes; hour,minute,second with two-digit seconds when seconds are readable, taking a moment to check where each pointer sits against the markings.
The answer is 9,32
